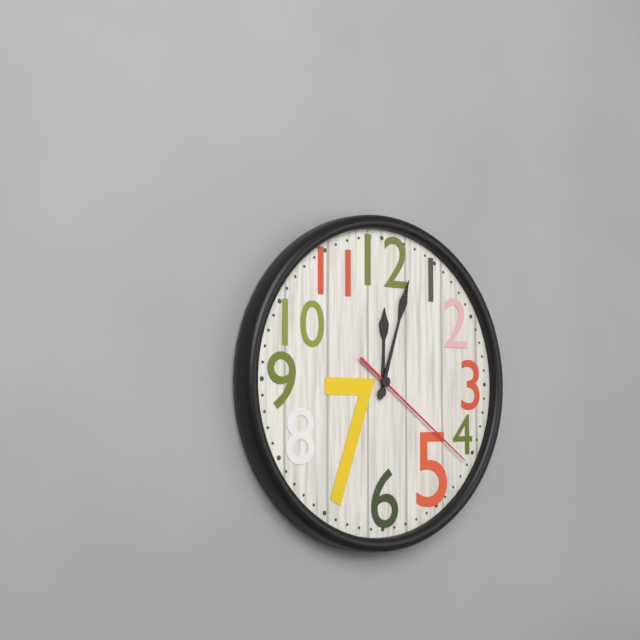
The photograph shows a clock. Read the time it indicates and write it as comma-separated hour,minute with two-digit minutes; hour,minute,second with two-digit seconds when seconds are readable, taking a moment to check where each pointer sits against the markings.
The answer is 12,03,21
